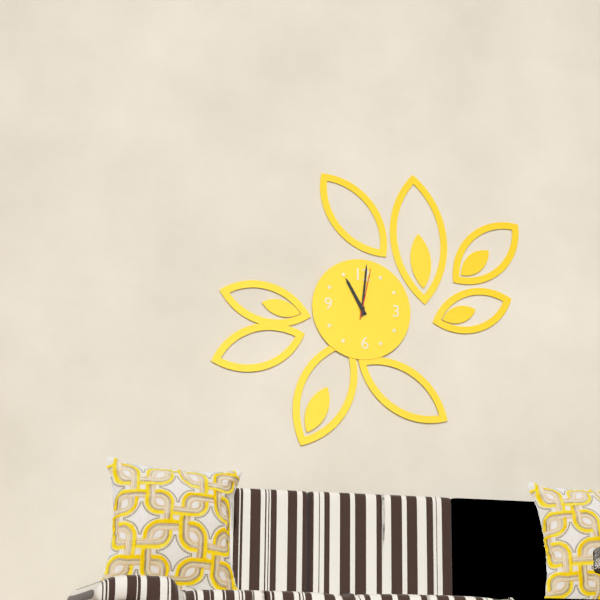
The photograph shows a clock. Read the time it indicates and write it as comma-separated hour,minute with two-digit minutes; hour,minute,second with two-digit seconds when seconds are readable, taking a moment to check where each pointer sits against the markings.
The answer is 11,01,02
